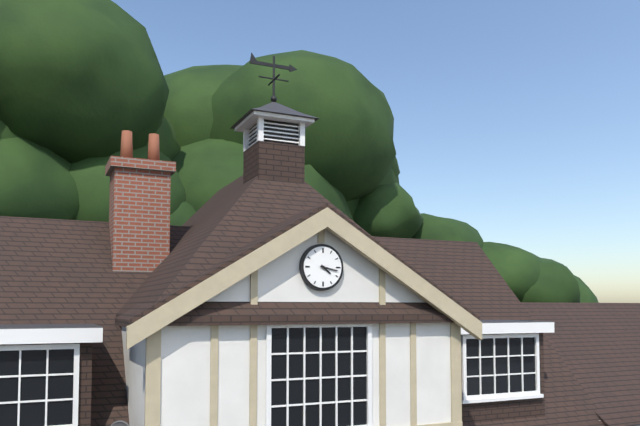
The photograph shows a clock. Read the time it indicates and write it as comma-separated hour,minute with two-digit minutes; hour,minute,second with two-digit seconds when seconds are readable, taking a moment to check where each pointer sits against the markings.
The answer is 4,17
